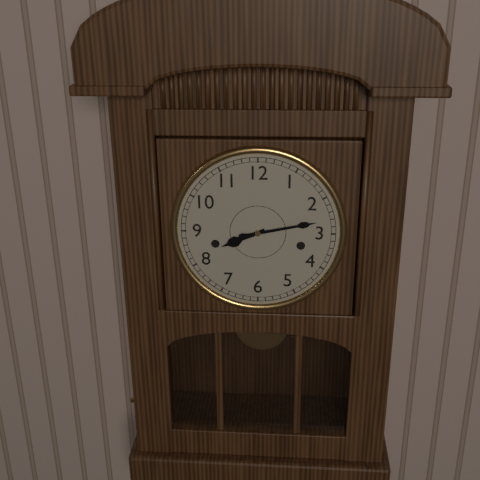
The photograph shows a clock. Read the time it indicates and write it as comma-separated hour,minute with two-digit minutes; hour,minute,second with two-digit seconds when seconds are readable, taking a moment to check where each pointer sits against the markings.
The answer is 8,13
